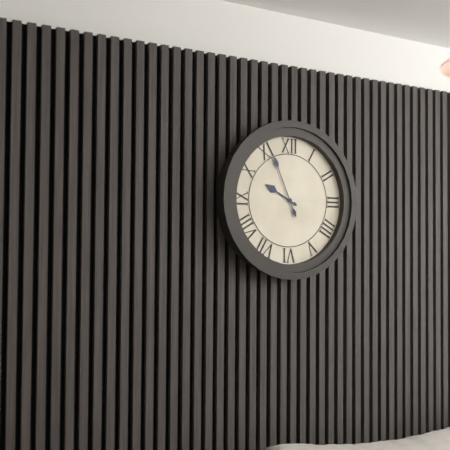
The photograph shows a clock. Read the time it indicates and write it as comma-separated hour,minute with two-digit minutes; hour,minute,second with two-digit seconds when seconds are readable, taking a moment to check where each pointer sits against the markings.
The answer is 9,56
